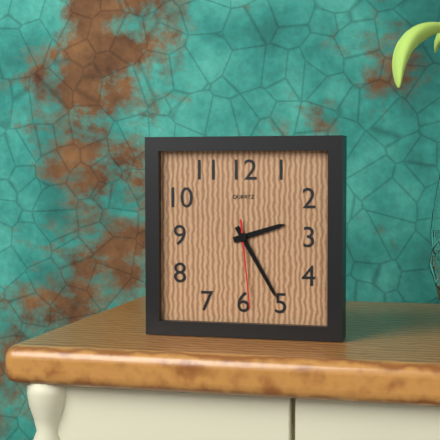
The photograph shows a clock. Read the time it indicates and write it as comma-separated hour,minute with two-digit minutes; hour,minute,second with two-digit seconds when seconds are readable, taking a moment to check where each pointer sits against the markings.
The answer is 2,25,29
